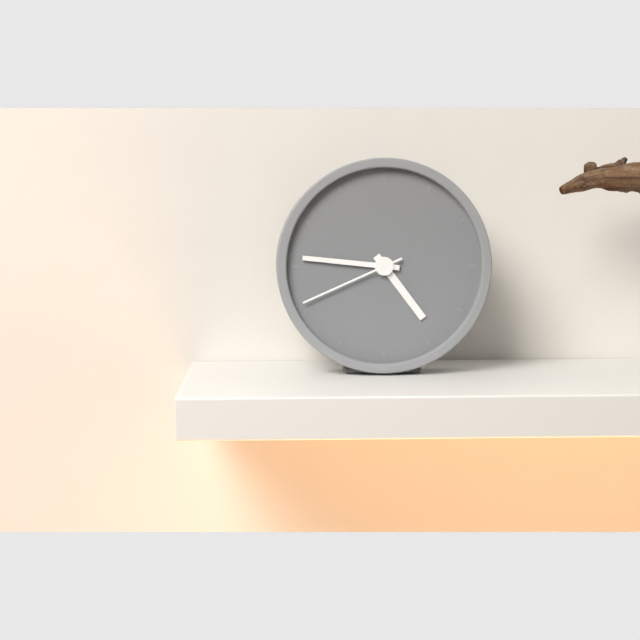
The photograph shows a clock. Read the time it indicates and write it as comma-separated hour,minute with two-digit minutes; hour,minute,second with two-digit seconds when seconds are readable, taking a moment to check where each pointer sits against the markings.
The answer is 4,46,41
